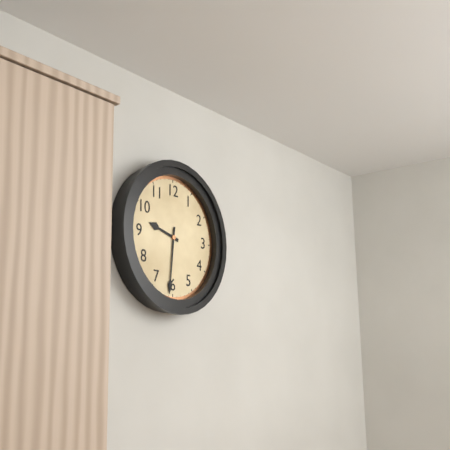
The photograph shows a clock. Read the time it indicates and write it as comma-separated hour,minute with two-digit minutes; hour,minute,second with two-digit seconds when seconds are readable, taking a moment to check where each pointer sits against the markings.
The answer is 9,31
